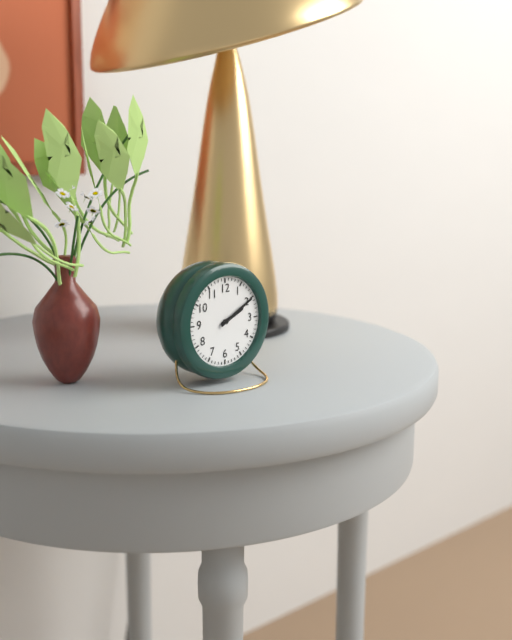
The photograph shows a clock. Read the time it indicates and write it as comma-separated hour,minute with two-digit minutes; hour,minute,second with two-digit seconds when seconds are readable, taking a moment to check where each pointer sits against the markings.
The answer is 2,10
